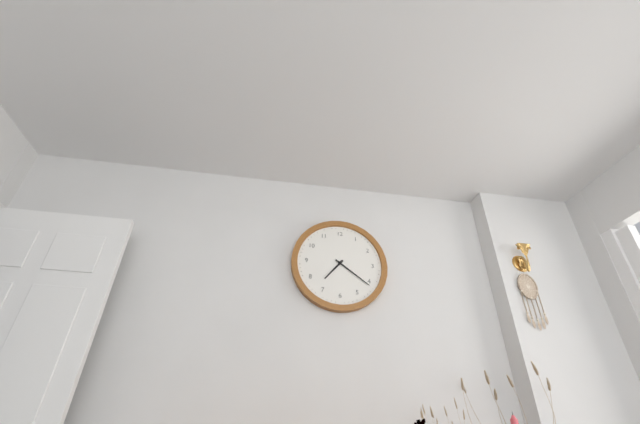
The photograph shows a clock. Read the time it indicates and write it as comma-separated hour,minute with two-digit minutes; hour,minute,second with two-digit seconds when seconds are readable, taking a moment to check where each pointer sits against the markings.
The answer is 7,21
